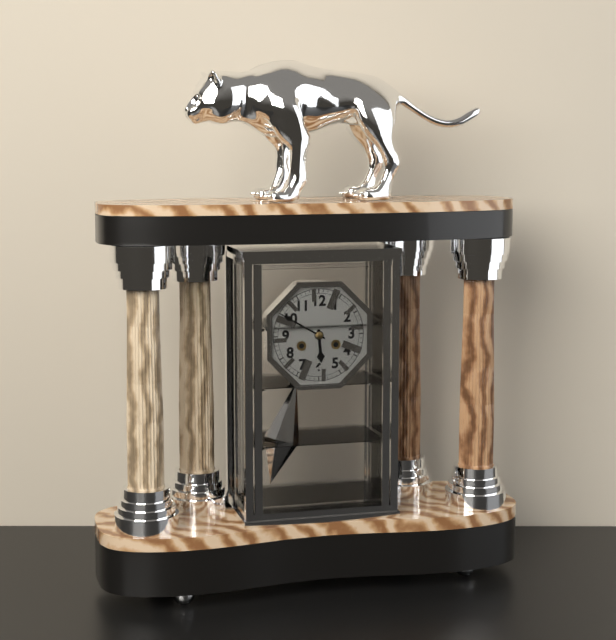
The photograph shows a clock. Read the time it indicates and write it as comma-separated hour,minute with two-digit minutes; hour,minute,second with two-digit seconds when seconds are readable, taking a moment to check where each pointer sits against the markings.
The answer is 5,50
